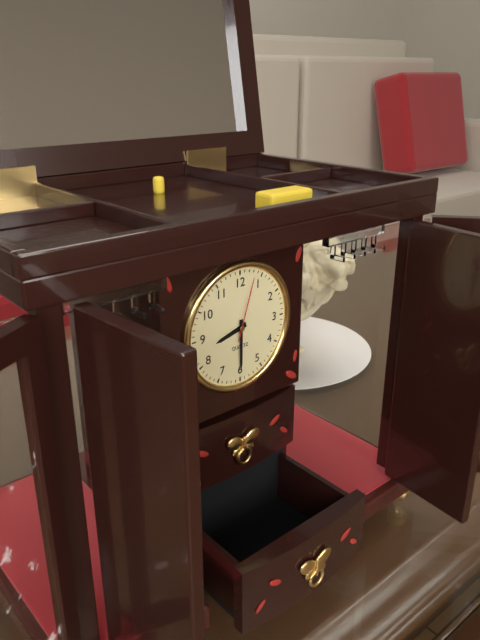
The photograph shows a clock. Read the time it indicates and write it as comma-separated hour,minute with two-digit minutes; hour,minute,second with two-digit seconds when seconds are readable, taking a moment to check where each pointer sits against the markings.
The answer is 8,30,03
